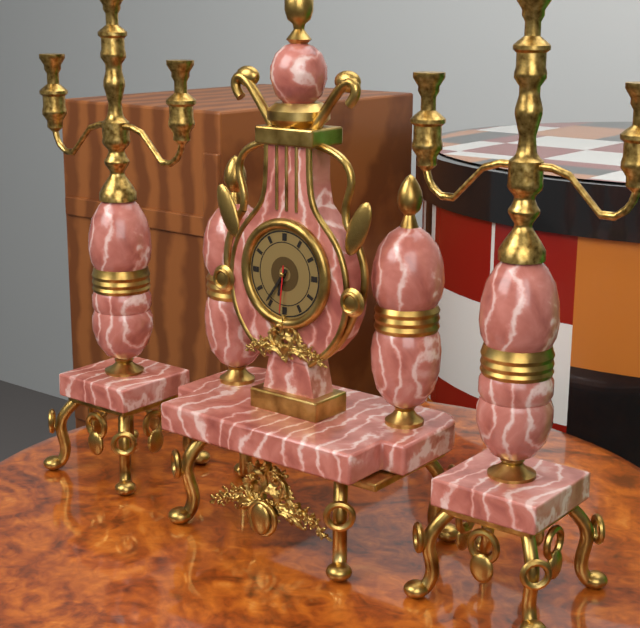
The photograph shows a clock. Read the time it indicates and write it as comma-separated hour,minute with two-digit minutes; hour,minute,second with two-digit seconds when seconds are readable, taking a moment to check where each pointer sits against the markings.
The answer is 6,36
